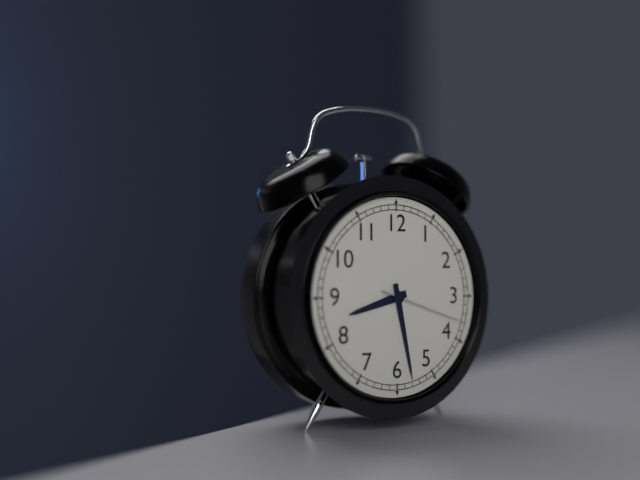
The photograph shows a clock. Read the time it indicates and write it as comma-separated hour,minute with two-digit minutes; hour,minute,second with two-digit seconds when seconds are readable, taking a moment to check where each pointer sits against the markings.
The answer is 8,28,18
